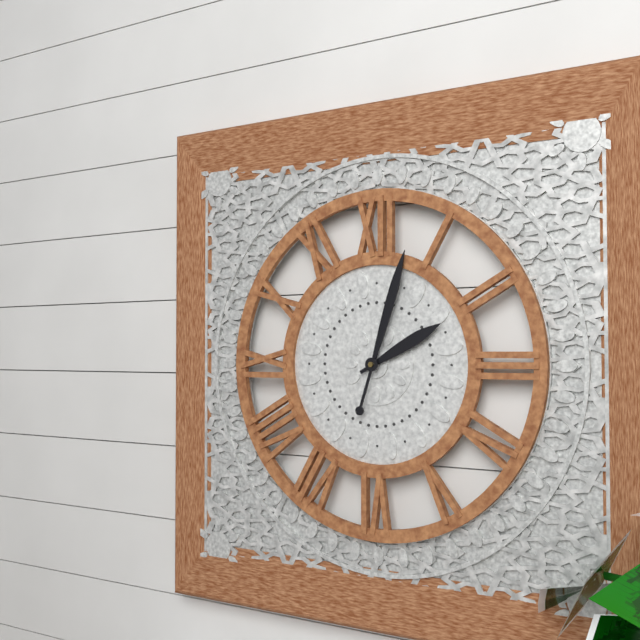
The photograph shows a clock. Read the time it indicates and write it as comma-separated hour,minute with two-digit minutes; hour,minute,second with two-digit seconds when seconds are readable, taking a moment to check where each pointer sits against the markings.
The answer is 2,03
